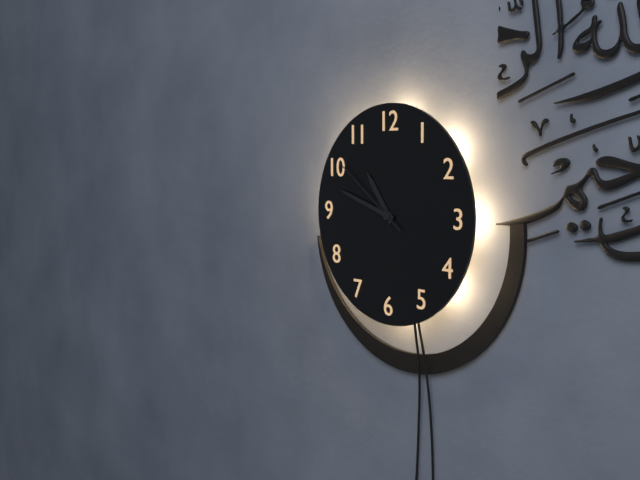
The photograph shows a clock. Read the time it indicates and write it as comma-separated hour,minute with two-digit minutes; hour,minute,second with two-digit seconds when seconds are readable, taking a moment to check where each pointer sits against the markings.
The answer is 10,48,51
